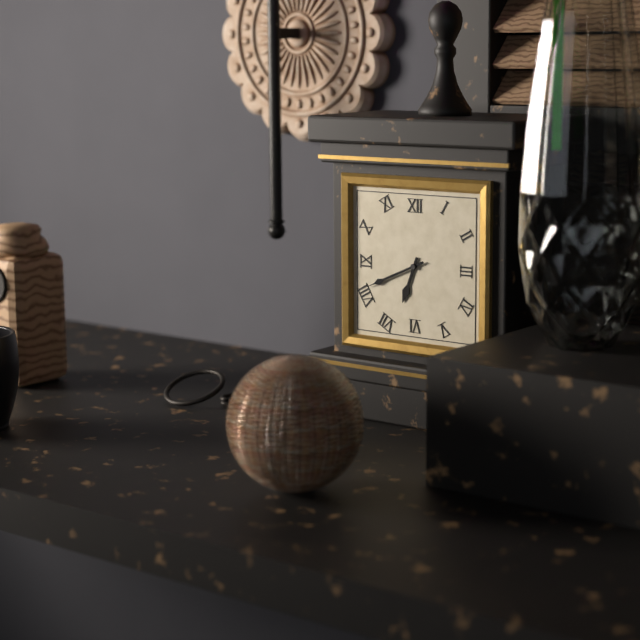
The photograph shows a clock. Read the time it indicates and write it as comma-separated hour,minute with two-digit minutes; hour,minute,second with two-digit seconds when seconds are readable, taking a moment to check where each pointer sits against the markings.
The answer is 6,41
